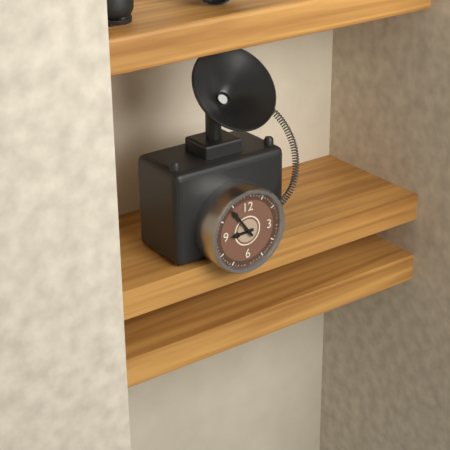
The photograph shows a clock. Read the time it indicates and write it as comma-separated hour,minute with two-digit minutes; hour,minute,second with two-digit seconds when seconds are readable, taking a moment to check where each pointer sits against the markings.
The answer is 8,54
